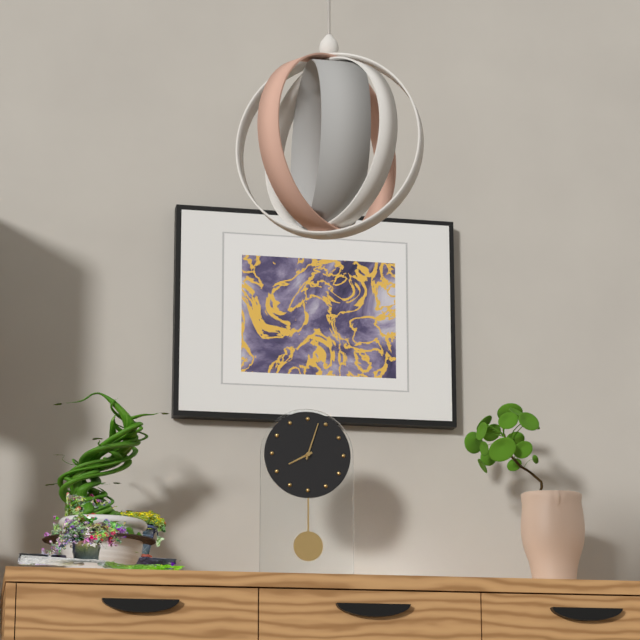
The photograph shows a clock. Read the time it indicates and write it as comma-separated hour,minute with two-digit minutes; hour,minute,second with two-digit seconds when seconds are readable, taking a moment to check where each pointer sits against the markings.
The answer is 8,03
